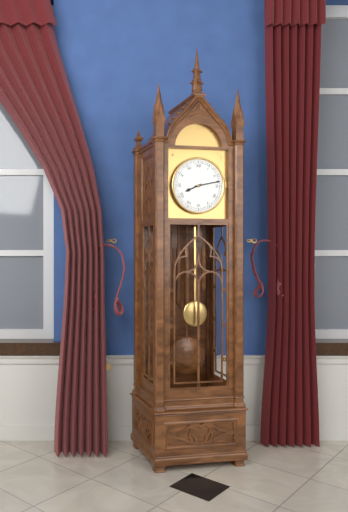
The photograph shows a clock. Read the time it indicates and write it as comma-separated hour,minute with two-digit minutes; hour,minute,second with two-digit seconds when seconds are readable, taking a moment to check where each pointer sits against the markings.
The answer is 8,13
